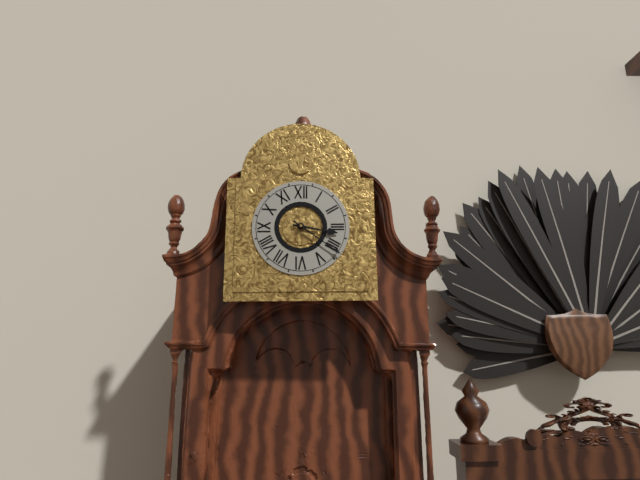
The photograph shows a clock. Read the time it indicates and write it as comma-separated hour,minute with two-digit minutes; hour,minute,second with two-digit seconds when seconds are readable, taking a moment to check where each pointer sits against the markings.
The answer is 3,21
